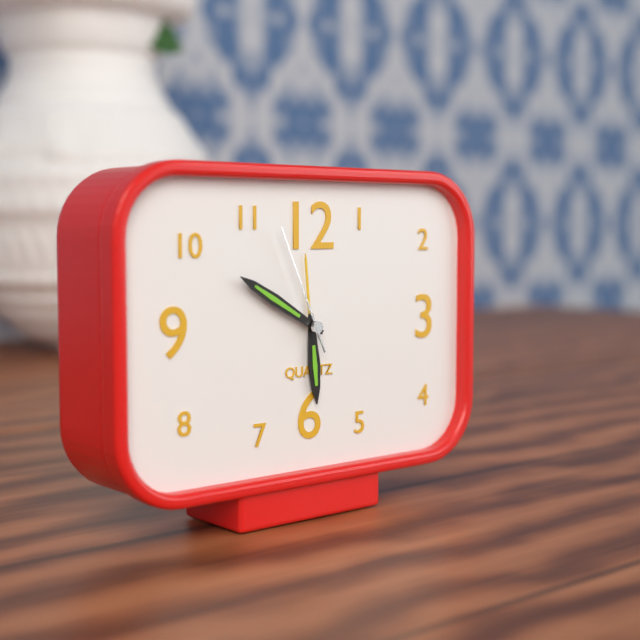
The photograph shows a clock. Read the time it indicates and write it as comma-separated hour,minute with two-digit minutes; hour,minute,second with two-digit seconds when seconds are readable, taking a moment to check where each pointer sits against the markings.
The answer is 5,50,56
